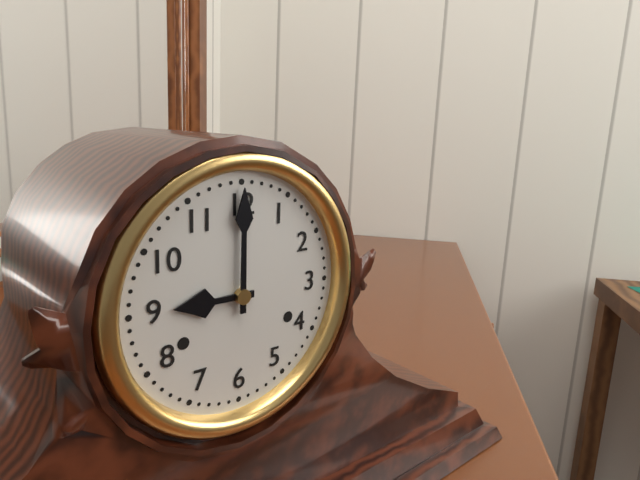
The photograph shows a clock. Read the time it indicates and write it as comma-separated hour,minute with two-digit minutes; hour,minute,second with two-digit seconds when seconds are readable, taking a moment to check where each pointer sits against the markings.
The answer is 9,00
